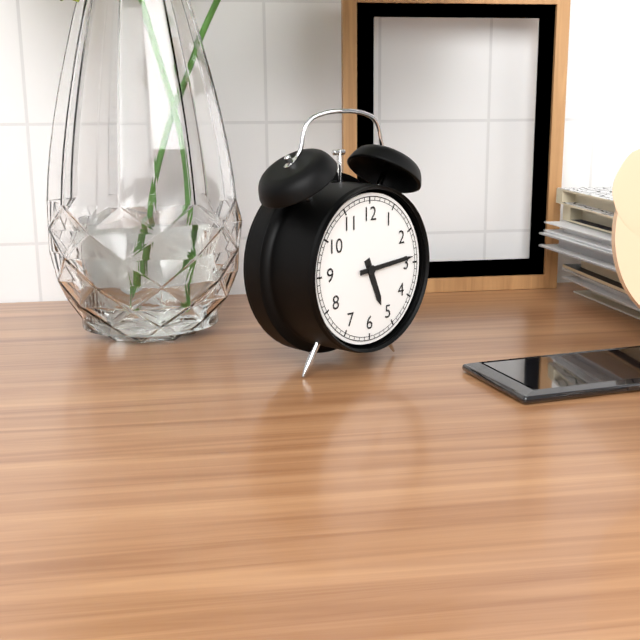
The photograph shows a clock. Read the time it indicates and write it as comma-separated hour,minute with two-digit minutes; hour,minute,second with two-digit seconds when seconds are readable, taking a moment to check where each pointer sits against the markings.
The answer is 5,14
